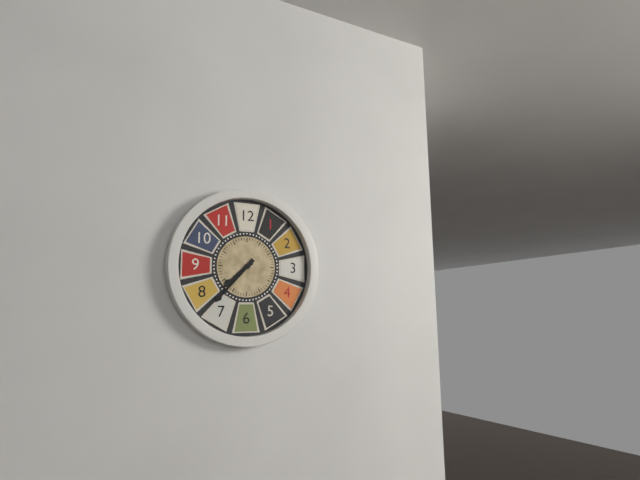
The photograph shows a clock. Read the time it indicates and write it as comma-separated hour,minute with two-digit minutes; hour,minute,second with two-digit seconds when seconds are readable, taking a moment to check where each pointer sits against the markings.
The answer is 7,37
